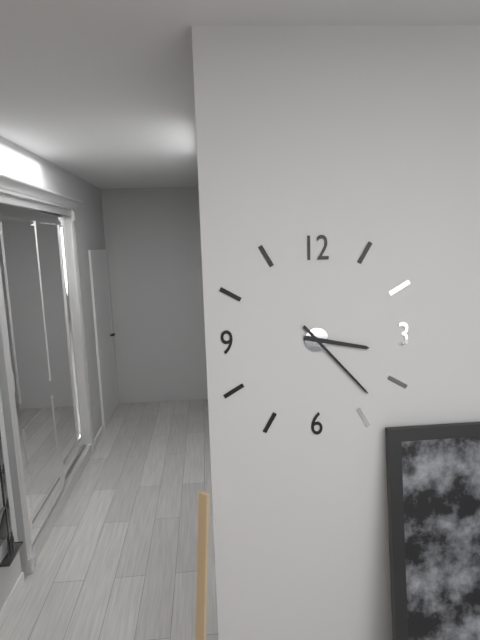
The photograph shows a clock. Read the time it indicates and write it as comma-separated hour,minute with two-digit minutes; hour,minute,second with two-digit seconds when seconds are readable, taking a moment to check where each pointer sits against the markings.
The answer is 3,23
